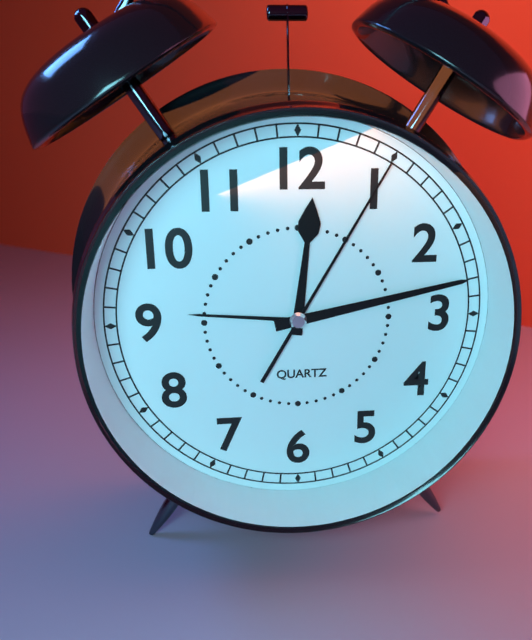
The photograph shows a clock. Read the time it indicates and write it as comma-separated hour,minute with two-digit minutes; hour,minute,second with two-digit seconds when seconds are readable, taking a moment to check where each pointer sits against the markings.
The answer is 12,13,05
